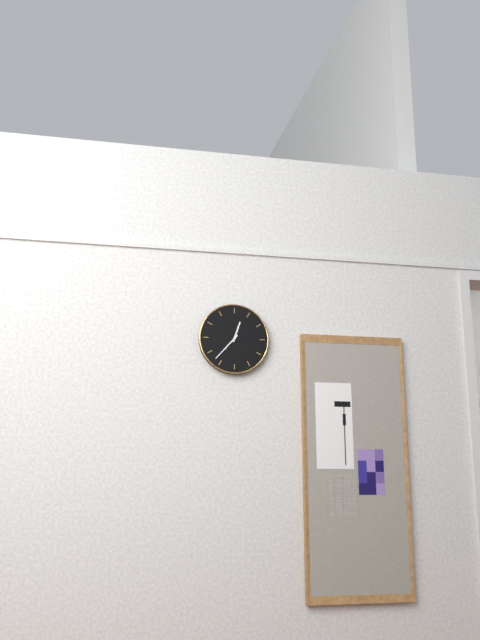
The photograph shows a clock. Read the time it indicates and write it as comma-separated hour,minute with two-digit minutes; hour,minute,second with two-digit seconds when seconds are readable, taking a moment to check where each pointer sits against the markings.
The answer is 12,37
